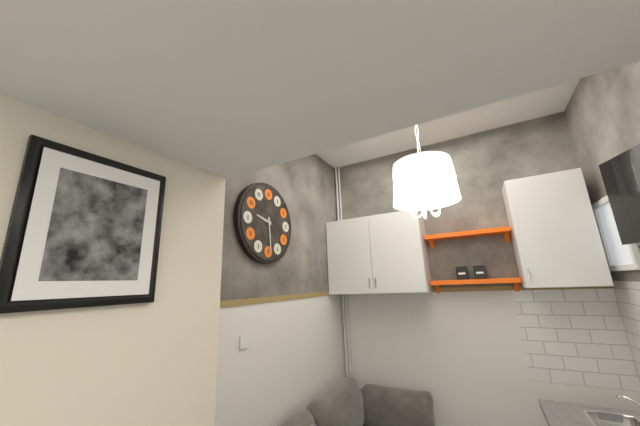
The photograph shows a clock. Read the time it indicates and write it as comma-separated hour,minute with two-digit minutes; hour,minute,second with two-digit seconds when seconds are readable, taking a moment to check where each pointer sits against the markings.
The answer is 9,29
